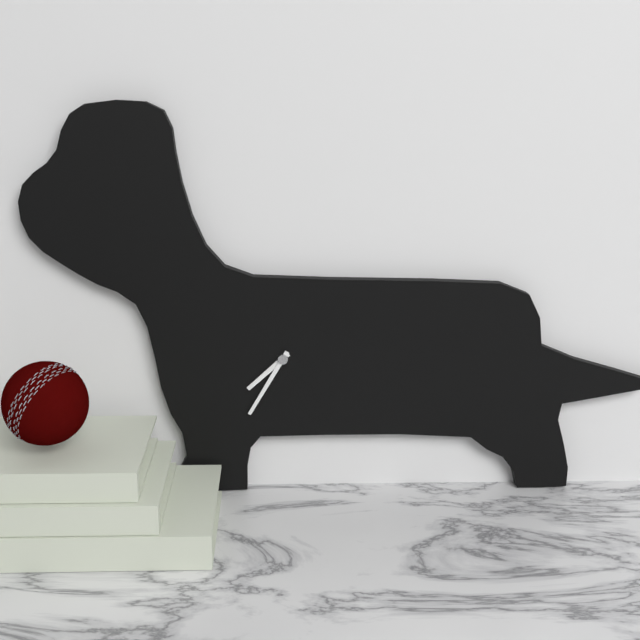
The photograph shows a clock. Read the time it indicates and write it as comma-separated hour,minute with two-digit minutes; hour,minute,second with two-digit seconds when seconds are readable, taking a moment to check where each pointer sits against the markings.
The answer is 7,35
